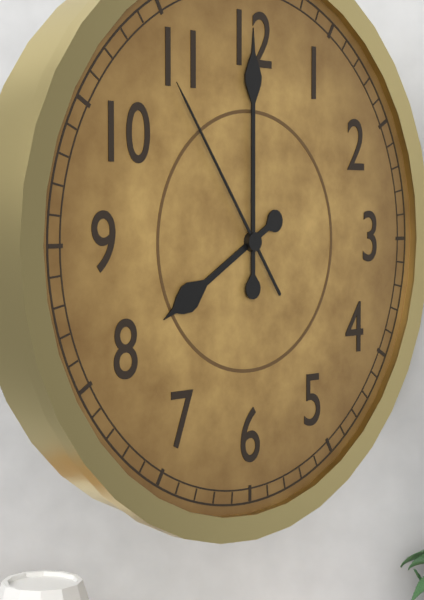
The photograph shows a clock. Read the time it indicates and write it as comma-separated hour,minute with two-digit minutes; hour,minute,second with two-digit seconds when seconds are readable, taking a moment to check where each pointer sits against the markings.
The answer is 8,00,54
